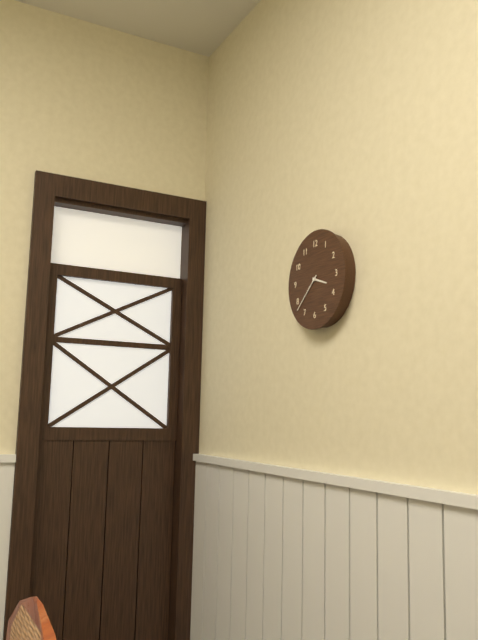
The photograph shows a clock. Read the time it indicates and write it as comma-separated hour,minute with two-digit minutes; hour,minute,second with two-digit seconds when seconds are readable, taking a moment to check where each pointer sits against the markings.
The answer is 3,38
